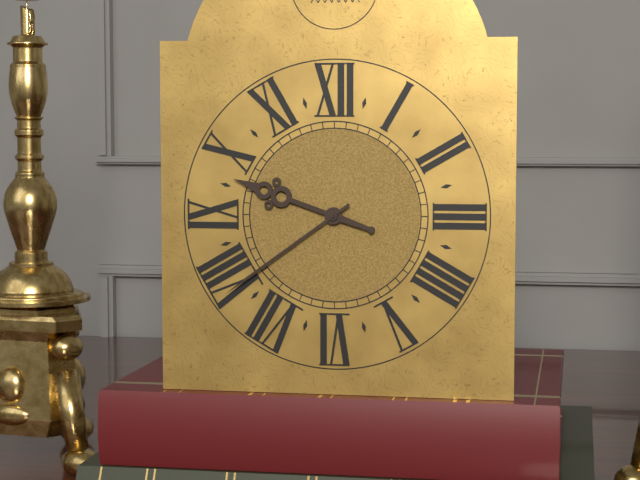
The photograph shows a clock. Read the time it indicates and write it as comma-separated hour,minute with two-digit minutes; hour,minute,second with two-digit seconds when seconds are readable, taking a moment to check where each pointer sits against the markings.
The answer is 9,39
